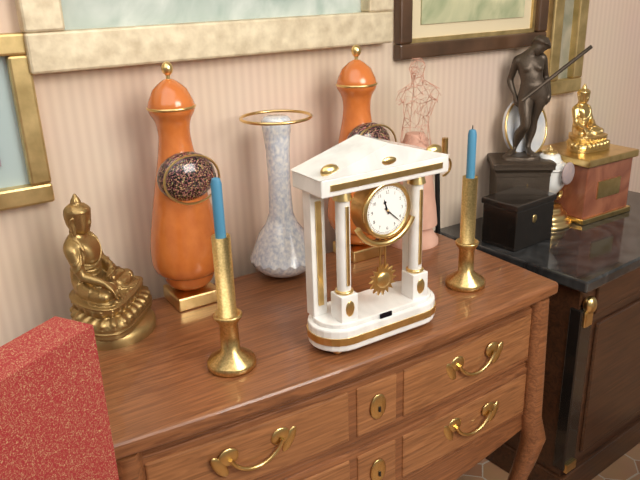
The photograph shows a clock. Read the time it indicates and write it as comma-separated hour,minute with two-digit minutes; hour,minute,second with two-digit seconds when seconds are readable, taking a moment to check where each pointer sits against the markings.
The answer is 11,22
